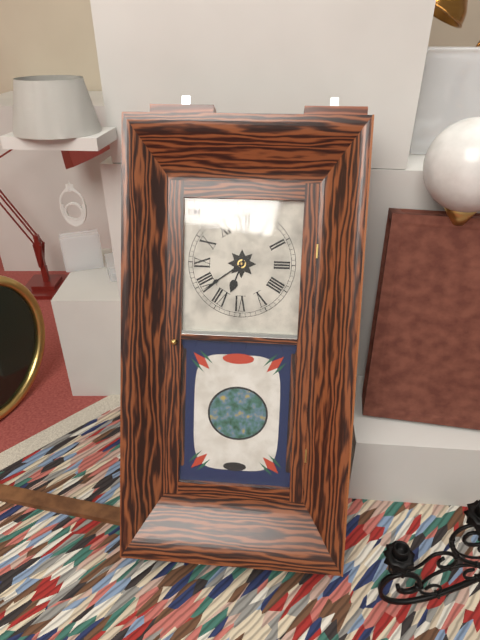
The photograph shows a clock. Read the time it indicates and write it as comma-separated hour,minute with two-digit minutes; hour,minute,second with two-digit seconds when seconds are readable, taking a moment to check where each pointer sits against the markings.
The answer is 6,39
